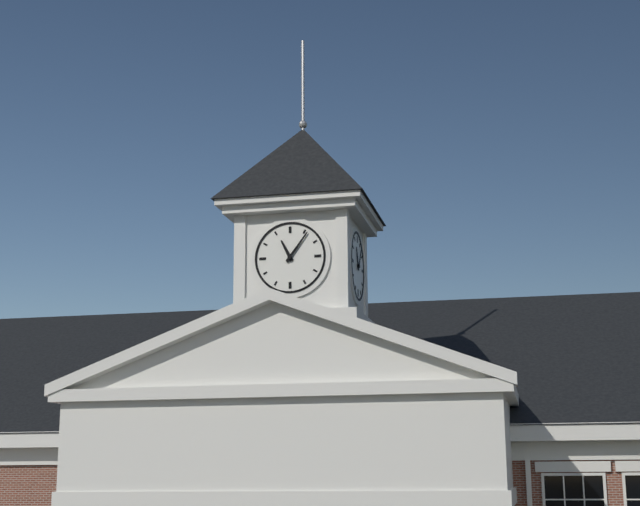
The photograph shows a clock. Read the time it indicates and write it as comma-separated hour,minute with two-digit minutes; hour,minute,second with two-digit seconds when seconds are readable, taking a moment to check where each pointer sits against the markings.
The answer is 11,06
